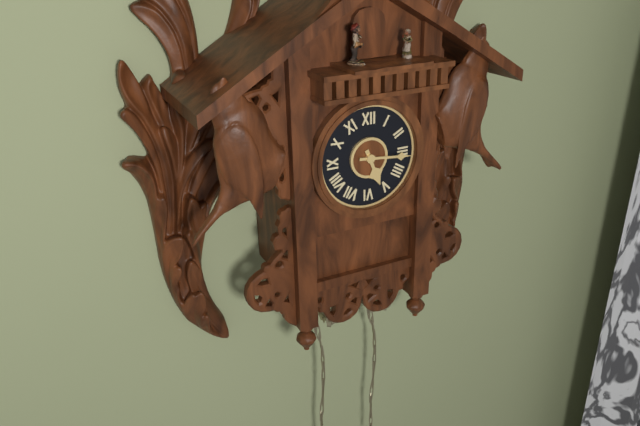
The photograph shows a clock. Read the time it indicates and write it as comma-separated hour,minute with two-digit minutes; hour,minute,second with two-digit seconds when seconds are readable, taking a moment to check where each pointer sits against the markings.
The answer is 5,16
